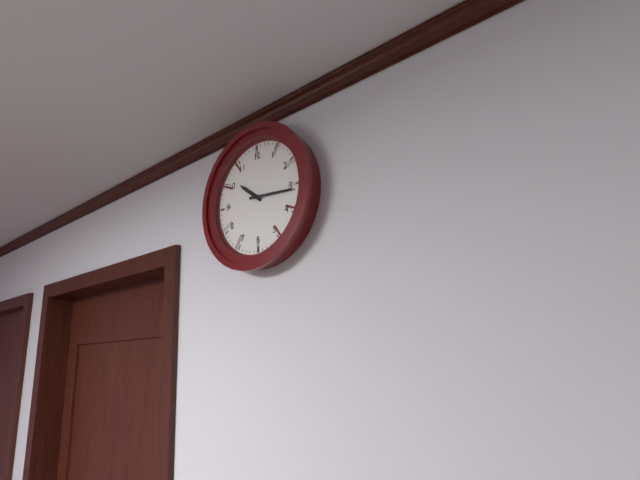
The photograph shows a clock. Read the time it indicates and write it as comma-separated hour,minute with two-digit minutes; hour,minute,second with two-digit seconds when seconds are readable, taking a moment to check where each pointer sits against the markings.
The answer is 10,16
